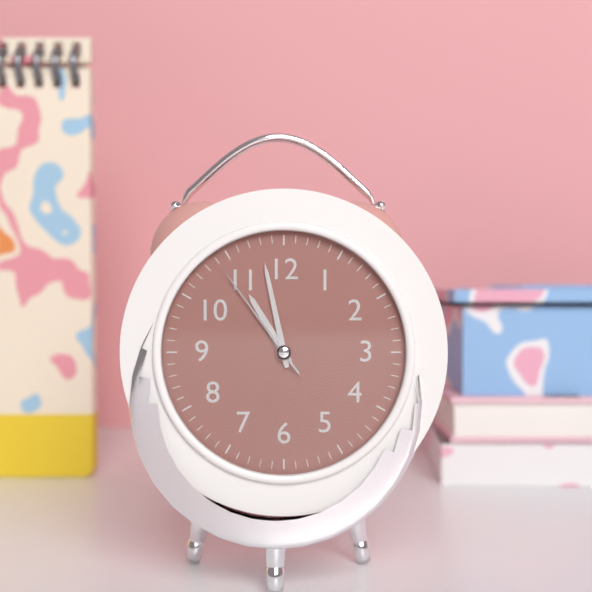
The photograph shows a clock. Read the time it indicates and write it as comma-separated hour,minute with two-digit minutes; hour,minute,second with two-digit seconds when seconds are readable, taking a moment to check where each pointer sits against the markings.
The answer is 10,58,54
